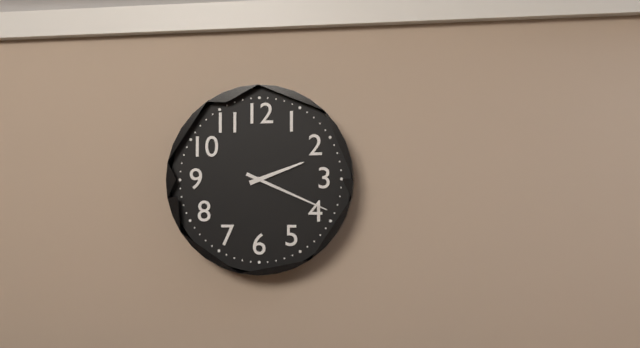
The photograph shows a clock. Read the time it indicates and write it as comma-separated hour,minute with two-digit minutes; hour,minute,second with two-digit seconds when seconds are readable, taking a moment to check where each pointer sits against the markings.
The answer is 2,19
